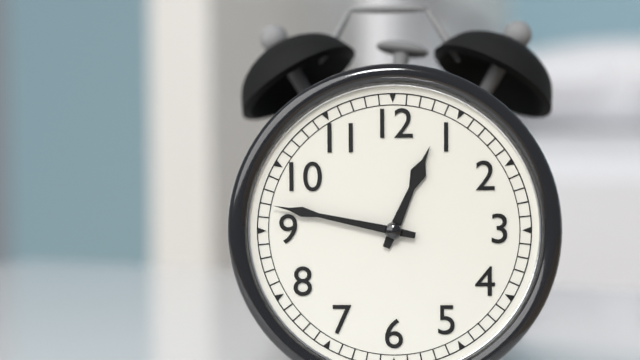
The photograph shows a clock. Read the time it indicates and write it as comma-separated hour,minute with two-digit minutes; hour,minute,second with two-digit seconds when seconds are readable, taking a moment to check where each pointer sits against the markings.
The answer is 12,47
